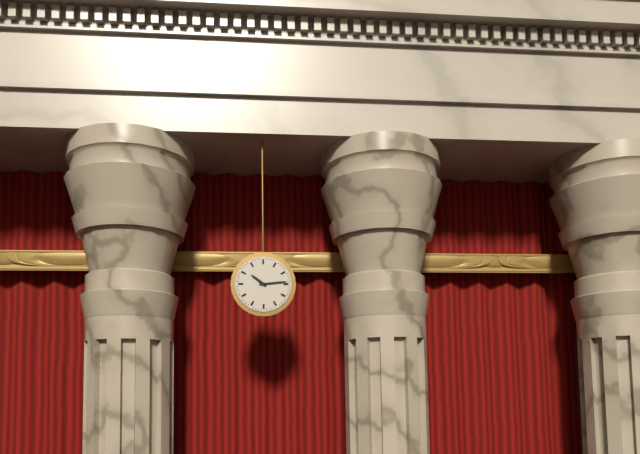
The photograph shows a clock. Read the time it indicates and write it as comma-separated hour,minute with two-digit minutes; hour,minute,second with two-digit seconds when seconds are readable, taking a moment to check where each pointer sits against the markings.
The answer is 10,14
